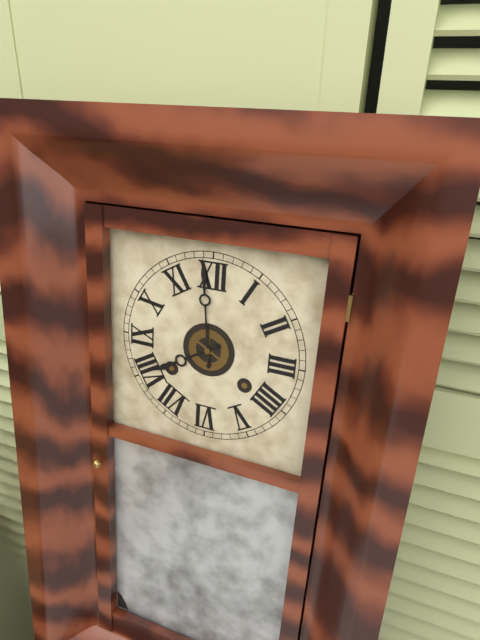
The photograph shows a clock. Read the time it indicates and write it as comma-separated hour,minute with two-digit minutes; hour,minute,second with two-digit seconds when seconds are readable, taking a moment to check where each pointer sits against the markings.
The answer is 7,59
